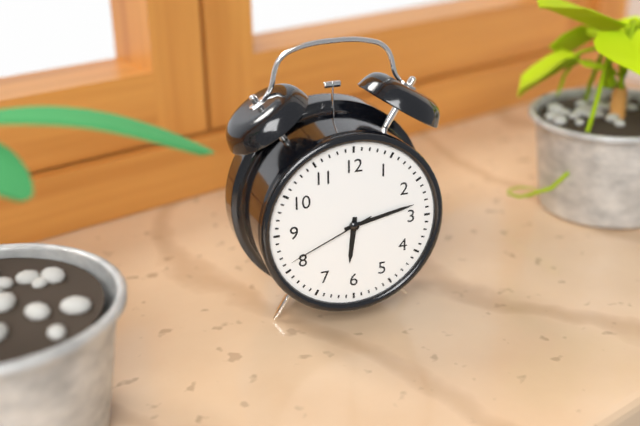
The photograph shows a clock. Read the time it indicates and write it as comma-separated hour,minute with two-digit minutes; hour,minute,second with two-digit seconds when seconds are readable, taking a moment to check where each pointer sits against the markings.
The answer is 6,13,41
